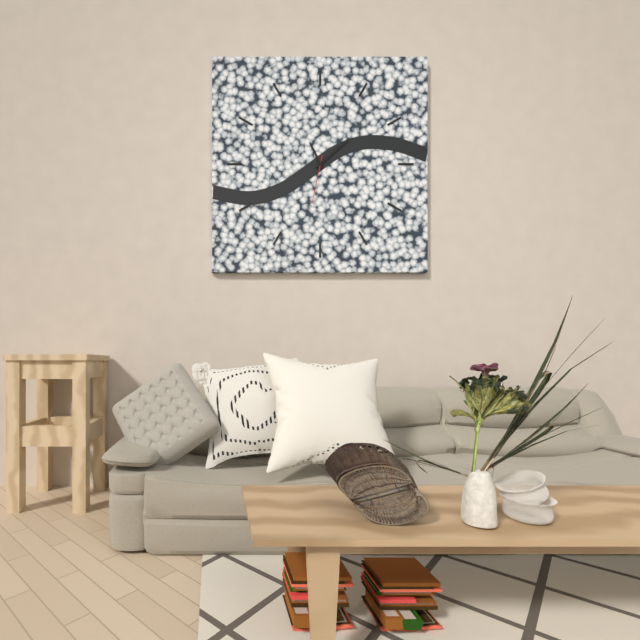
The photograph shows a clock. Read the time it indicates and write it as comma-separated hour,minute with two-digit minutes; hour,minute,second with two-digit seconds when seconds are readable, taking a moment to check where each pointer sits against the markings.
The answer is 11,08
